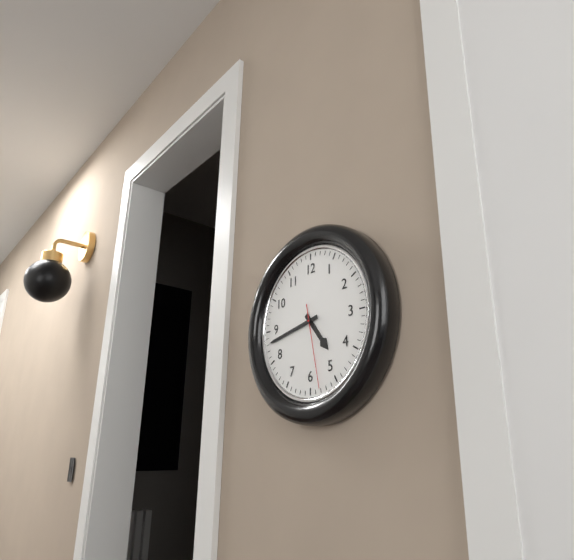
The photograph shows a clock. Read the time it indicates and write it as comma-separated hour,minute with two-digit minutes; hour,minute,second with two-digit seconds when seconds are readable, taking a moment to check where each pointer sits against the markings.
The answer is 4,43,28
